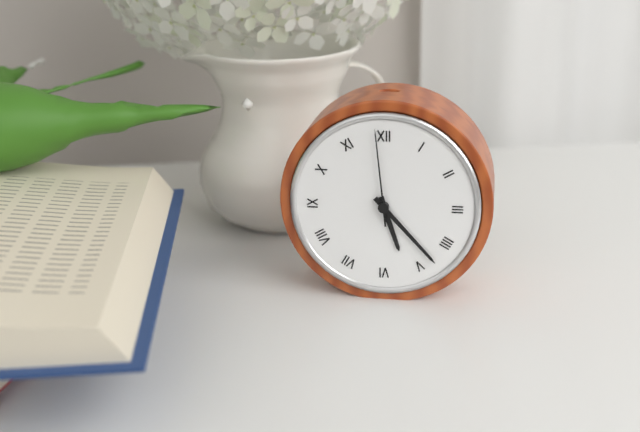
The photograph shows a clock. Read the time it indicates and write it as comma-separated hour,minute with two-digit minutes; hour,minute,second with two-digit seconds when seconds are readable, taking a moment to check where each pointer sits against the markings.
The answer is 5,23,59
